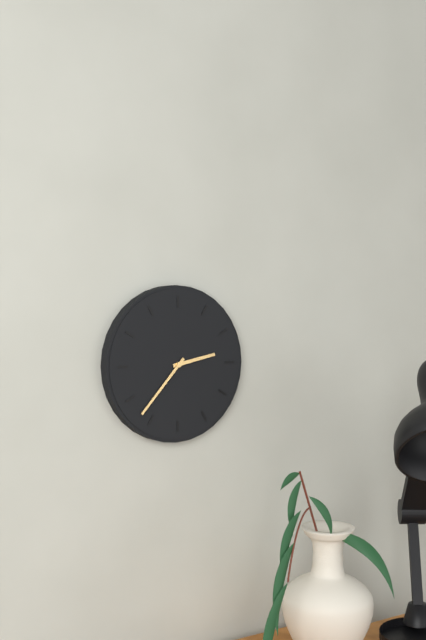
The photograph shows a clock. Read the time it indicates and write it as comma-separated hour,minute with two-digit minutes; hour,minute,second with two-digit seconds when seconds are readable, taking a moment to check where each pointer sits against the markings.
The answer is 2,37
